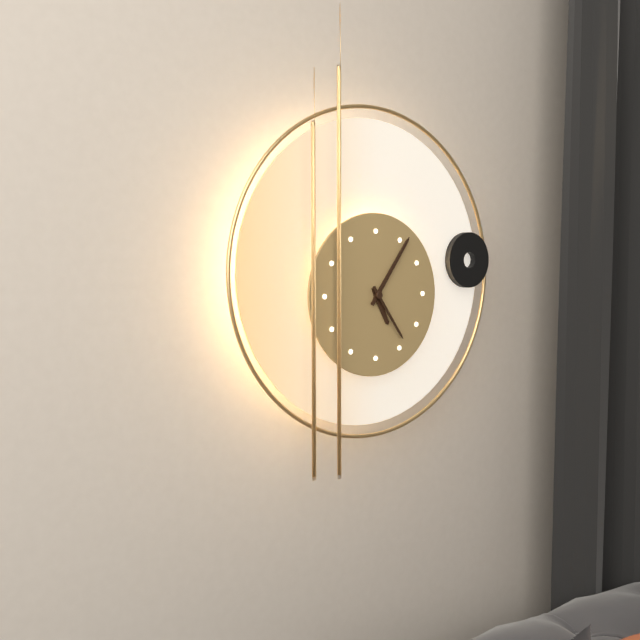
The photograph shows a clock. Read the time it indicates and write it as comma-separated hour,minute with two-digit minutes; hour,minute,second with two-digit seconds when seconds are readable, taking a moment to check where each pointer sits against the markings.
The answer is 5,06,24
